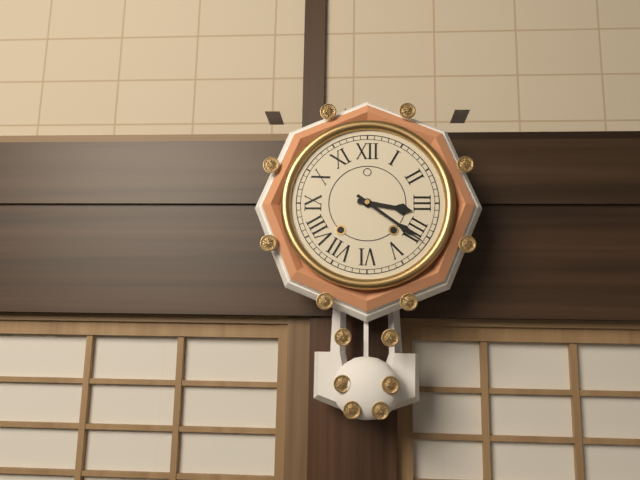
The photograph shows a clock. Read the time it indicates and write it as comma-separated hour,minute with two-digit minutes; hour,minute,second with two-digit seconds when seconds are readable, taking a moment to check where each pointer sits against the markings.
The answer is 3,21
